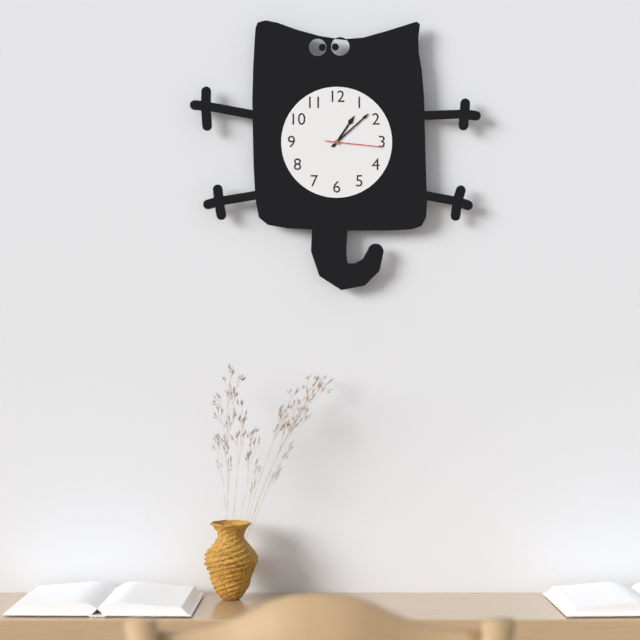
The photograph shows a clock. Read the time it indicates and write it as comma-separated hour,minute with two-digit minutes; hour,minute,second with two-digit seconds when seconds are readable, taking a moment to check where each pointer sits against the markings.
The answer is 1,08,16
